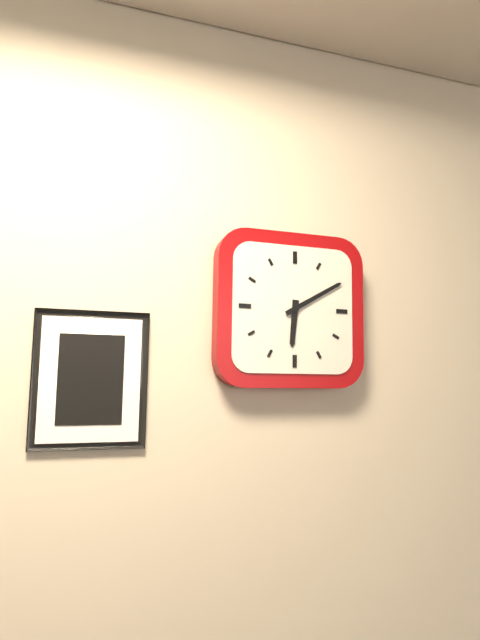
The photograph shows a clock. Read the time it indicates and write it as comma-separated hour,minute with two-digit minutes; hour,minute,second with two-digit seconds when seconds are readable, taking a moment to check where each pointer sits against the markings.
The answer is 6,10
